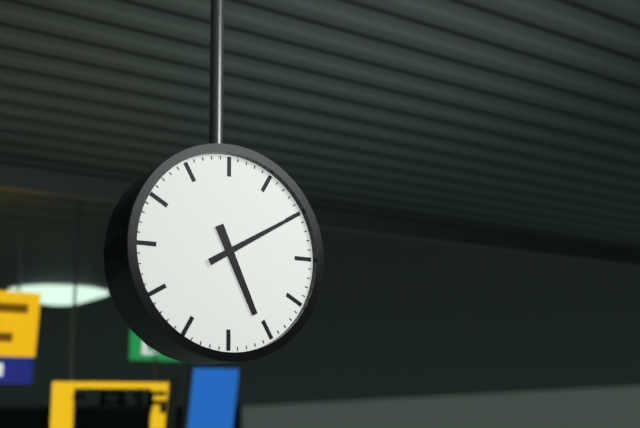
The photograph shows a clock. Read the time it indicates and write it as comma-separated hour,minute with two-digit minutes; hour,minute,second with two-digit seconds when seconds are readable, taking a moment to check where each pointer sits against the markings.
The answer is 5,10
